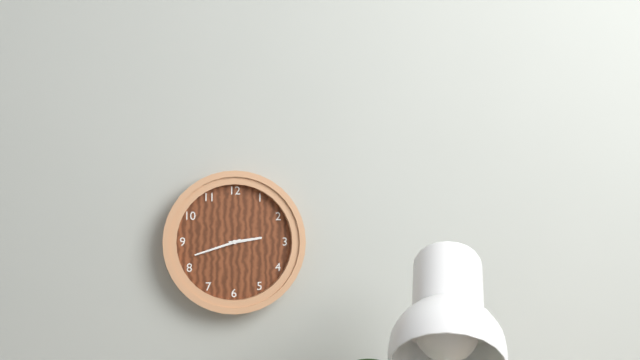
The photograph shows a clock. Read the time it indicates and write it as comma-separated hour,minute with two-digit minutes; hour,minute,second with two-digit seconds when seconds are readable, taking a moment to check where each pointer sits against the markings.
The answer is 2,42
